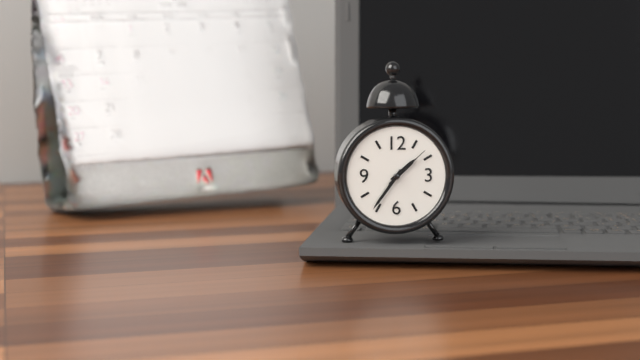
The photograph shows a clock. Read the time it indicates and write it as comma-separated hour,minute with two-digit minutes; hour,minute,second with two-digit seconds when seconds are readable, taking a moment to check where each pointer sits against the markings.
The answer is 1,36
